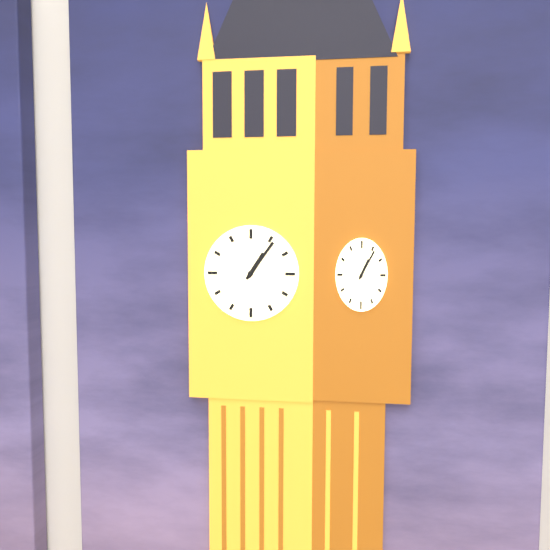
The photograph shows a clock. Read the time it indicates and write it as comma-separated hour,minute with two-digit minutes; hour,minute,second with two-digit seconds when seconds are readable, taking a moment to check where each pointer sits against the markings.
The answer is 1,06
